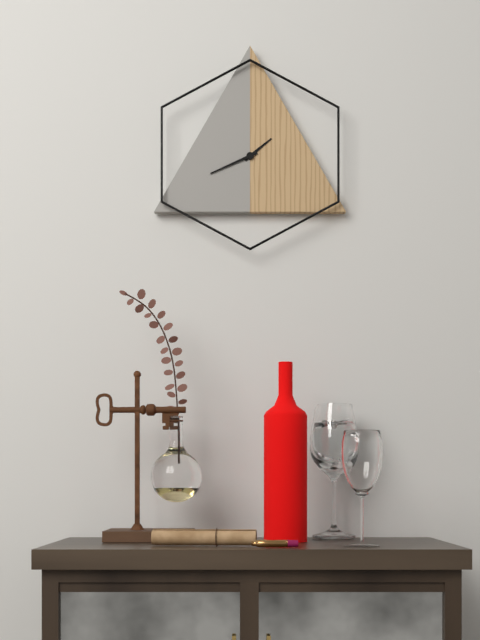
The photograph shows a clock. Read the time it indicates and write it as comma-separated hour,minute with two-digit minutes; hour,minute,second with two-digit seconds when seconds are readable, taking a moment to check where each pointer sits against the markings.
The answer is 1,41
